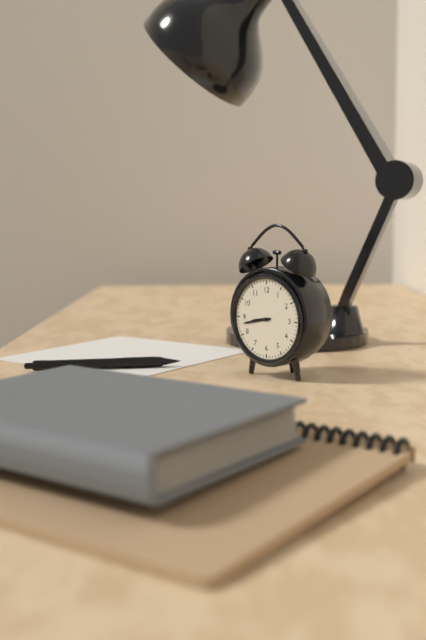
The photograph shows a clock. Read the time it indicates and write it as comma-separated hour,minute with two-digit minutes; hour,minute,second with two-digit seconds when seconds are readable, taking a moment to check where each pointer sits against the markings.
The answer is 8,43
